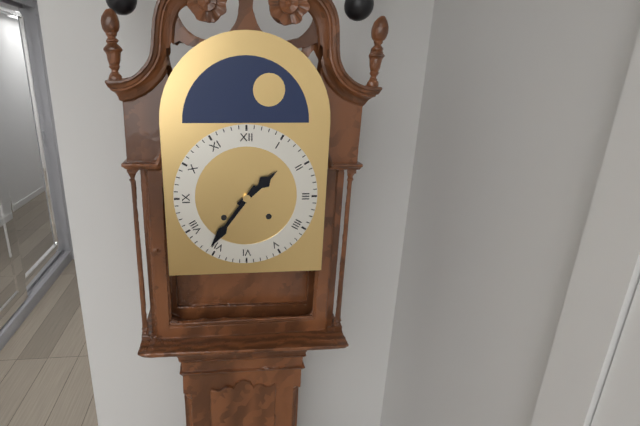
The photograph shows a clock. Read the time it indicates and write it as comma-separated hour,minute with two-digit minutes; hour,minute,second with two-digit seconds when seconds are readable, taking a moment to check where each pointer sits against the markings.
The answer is 1,36
